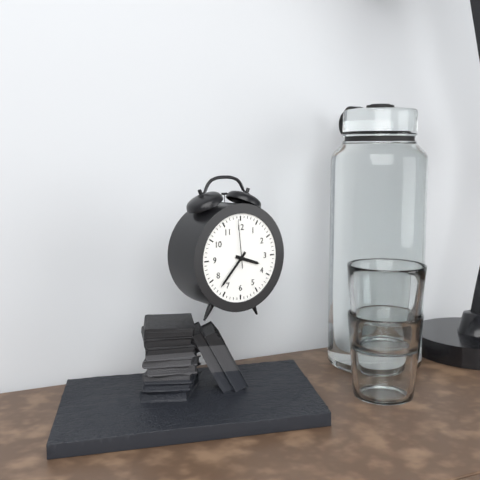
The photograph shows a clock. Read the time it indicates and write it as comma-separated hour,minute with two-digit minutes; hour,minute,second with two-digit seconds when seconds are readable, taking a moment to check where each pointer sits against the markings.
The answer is 3,37
